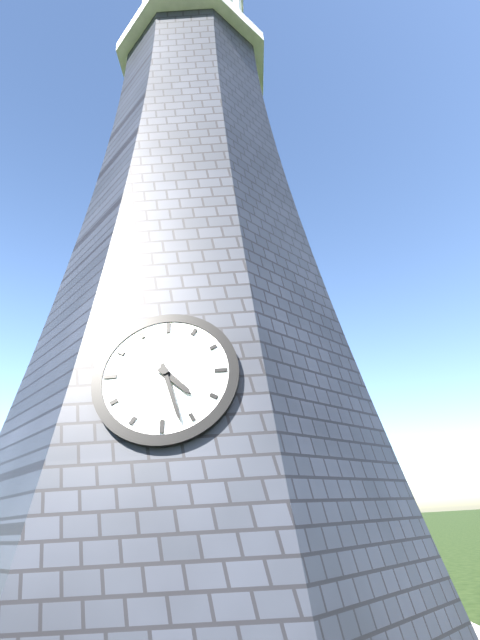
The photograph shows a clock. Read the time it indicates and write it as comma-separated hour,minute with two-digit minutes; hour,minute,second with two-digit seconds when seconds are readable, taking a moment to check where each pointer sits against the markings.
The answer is 4,27
